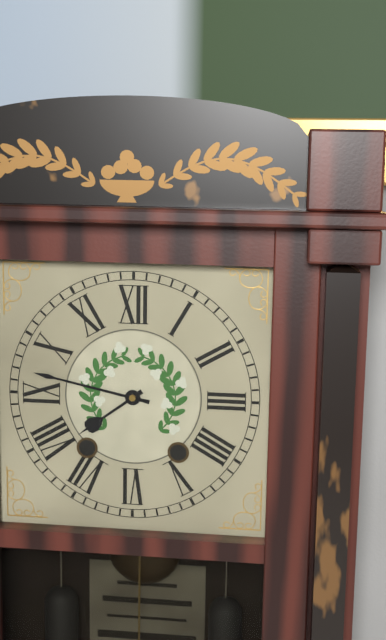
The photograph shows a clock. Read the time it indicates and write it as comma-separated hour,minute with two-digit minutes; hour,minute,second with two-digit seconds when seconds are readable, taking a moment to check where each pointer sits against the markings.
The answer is 7,47
